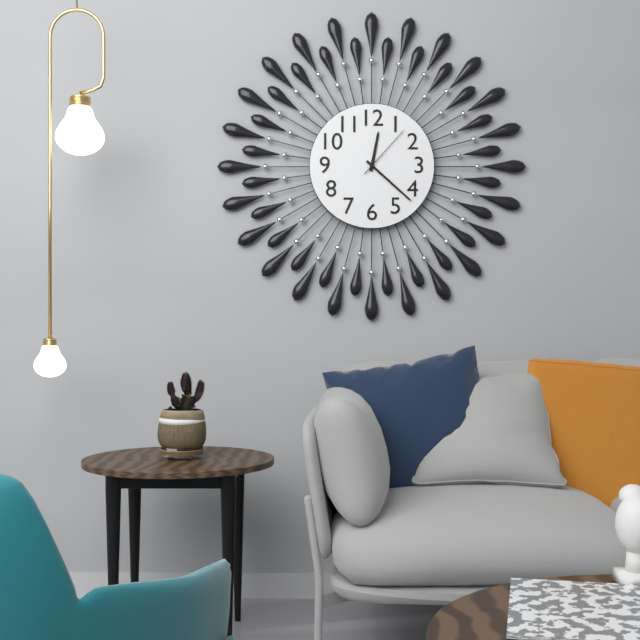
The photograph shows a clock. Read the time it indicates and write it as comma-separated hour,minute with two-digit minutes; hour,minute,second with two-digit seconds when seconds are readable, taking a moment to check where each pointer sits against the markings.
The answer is 12,22,07
